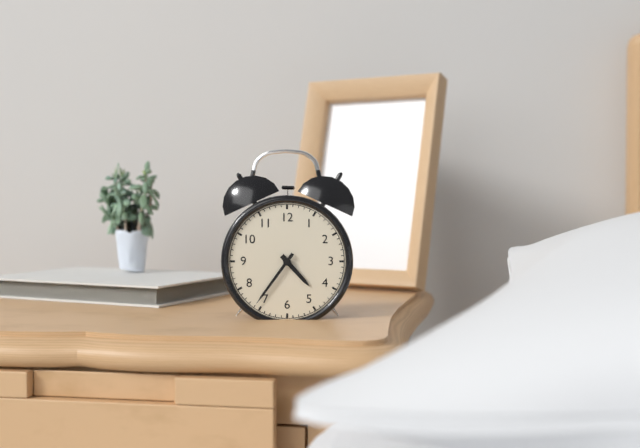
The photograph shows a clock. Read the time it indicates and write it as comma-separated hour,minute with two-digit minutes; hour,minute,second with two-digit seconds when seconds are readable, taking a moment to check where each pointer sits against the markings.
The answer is 4,36
